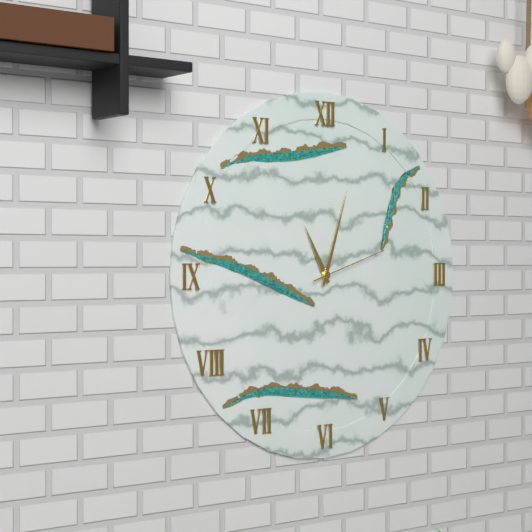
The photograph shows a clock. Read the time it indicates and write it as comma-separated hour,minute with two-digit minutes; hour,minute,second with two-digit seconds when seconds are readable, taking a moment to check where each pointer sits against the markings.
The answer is 11,03,12
